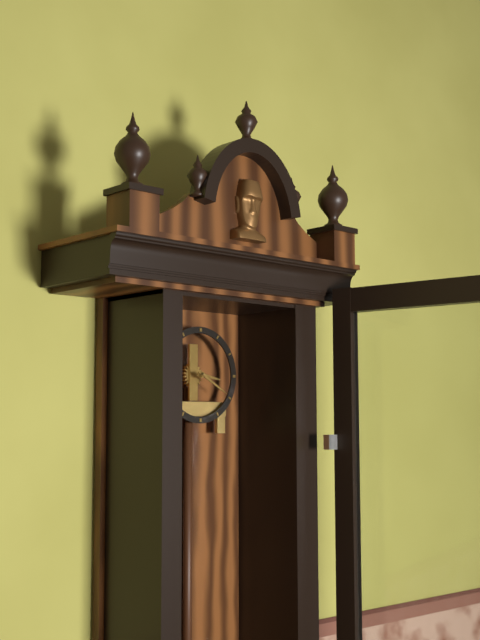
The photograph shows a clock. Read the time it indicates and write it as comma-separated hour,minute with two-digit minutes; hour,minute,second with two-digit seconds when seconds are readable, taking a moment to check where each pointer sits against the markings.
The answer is 3,20
